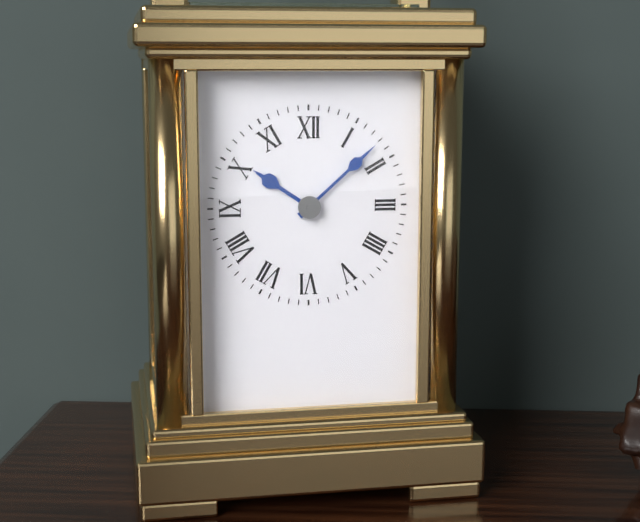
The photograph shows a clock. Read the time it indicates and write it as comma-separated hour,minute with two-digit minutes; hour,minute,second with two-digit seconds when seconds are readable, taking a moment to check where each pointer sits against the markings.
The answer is 10,08
